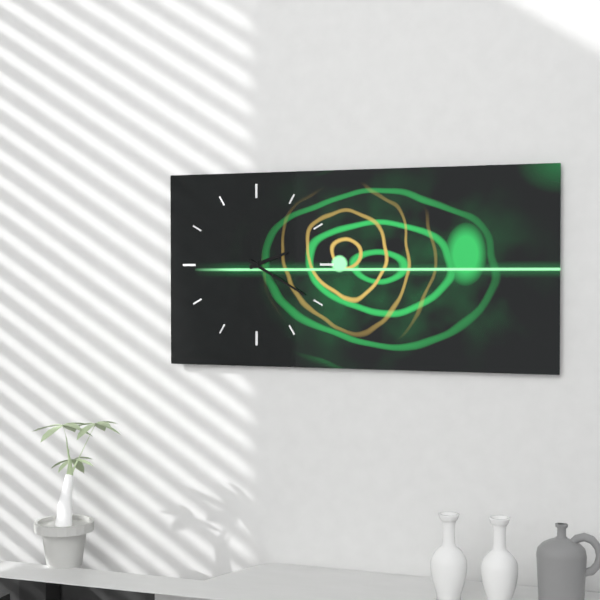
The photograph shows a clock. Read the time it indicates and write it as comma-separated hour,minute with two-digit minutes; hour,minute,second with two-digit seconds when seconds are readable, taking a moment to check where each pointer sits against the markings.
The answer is 2,20
